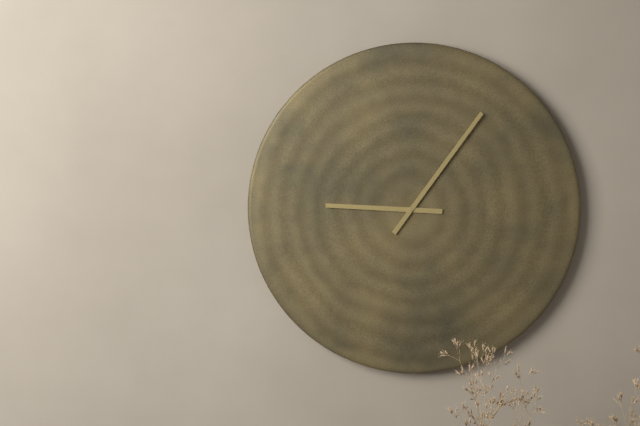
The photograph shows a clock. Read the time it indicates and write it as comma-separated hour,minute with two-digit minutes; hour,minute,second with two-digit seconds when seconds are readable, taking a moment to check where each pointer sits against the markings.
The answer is 9,06
